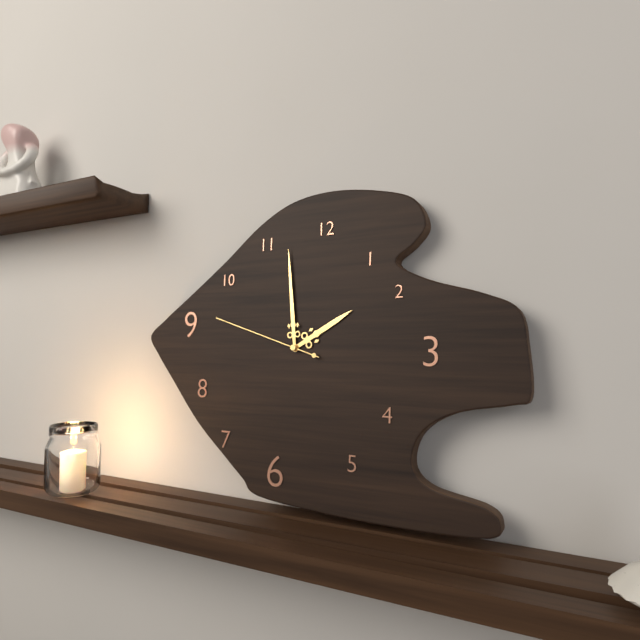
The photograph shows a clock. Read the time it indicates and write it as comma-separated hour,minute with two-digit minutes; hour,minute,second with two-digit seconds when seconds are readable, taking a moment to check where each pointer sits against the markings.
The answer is 1,59,48
